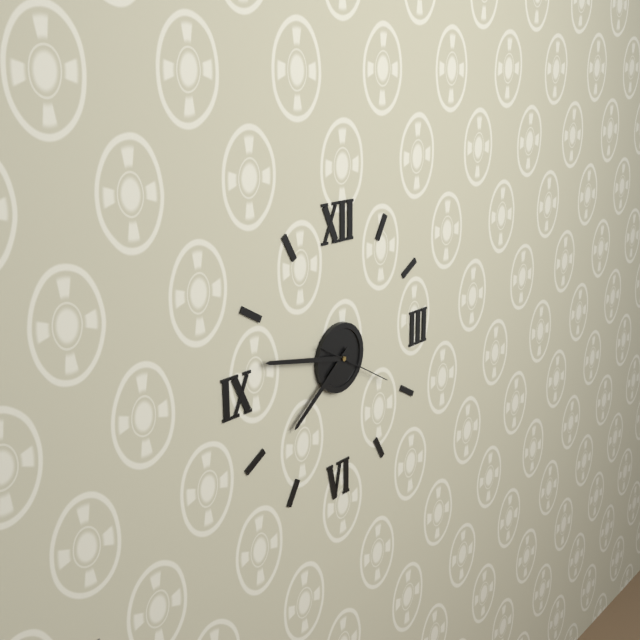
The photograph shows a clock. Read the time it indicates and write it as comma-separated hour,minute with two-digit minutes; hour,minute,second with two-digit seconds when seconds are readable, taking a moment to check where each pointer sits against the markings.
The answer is 7,47,20
